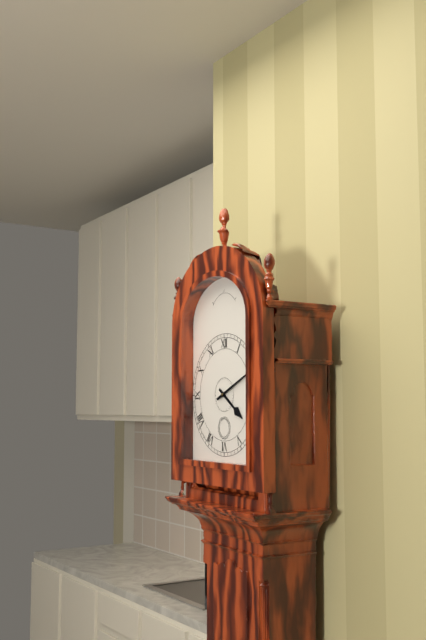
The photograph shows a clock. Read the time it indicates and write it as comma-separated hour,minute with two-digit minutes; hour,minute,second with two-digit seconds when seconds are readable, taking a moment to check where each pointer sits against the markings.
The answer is 4,11
